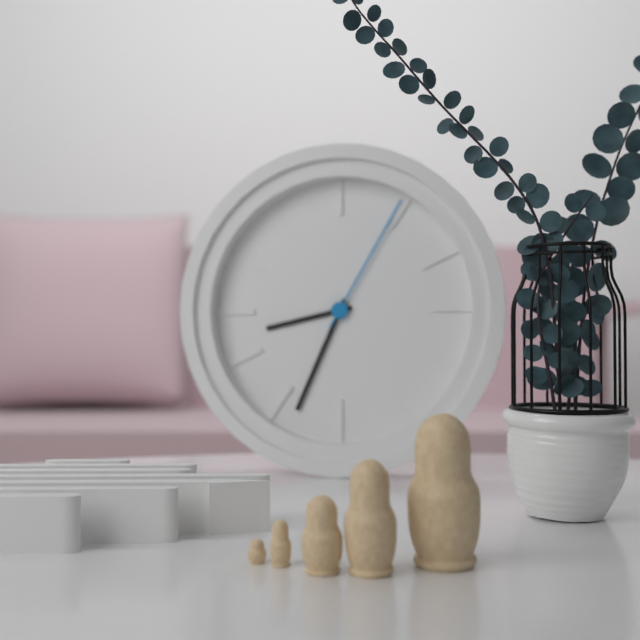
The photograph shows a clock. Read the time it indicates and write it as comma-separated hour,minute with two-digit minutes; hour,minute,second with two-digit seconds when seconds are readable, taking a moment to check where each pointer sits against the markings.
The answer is 8,34,05
